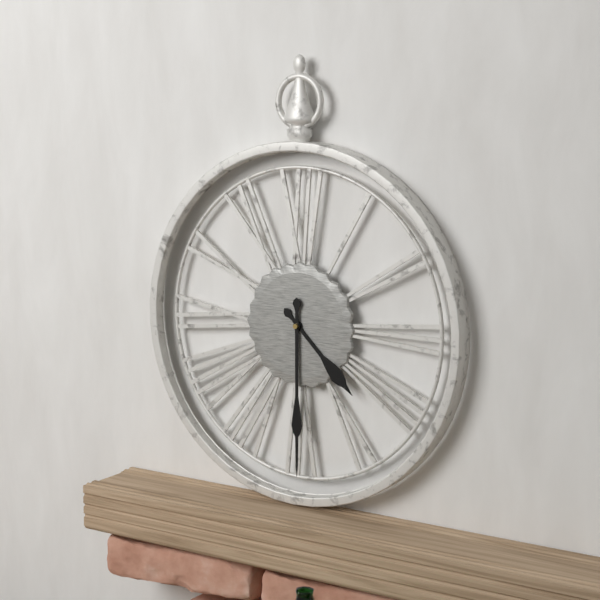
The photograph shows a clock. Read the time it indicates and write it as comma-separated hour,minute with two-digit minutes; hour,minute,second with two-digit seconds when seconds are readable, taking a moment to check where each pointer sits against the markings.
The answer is 4,30
